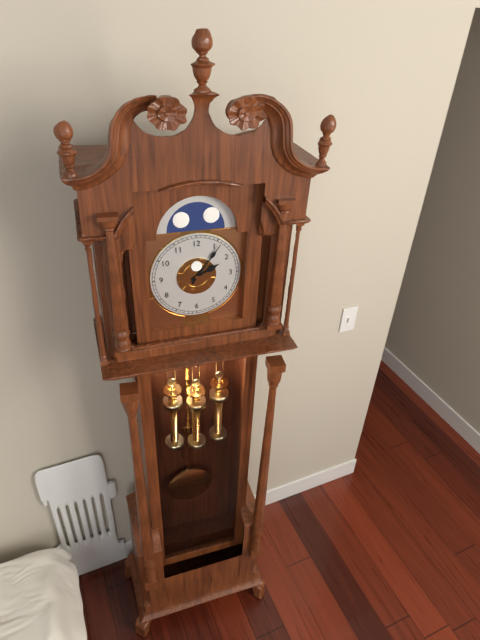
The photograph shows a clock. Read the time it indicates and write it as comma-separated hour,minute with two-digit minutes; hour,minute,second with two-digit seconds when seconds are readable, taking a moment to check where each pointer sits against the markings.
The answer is 2,06
